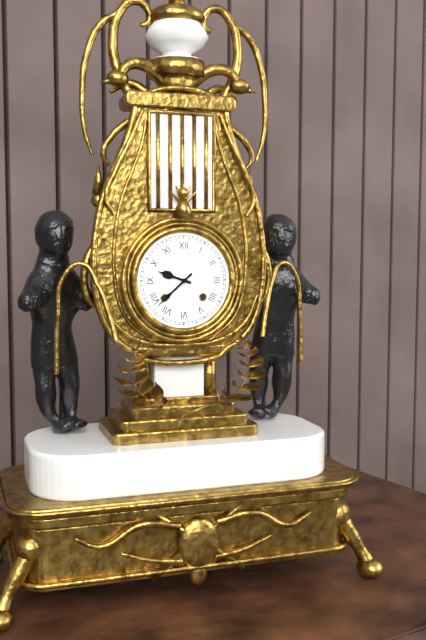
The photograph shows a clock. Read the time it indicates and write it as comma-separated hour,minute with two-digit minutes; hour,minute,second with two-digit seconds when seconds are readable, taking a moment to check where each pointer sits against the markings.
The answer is 9,38
